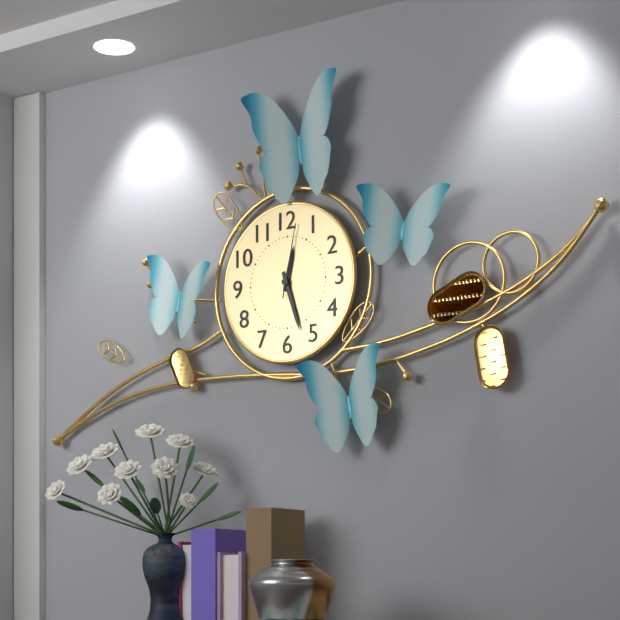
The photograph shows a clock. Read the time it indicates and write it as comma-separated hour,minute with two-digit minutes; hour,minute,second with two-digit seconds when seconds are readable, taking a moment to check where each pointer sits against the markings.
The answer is 12,27,02
